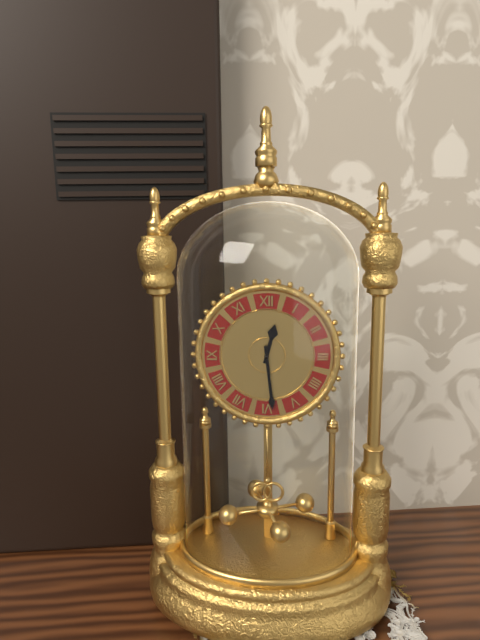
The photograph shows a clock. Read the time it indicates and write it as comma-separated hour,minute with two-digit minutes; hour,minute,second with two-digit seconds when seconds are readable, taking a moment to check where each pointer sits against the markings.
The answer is 12,29
